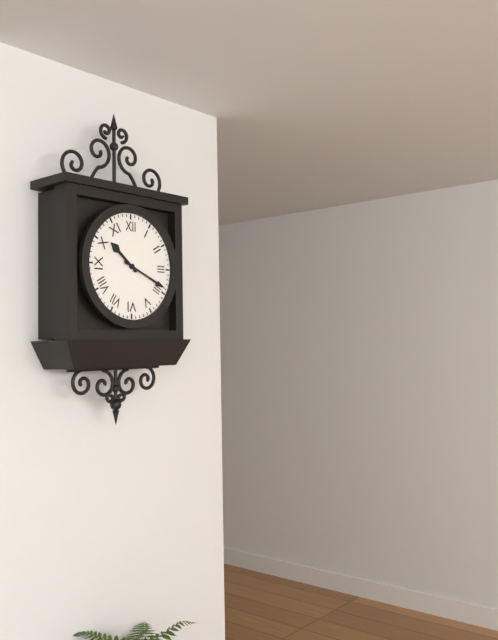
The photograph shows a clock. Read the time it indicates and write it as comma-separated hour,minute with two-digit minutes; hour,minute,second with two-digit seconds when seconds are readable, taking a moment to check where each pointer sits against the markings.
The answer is 10,19
